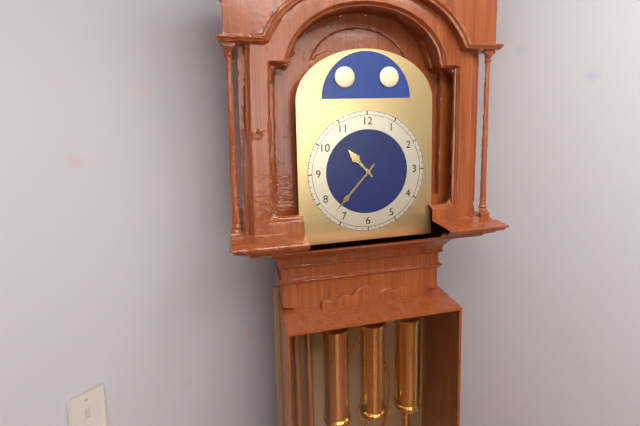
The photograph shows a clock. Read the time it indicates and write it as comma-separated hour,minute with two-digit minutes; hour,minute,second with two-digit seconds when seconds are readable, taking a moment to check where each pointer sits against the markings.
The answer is 10,37
